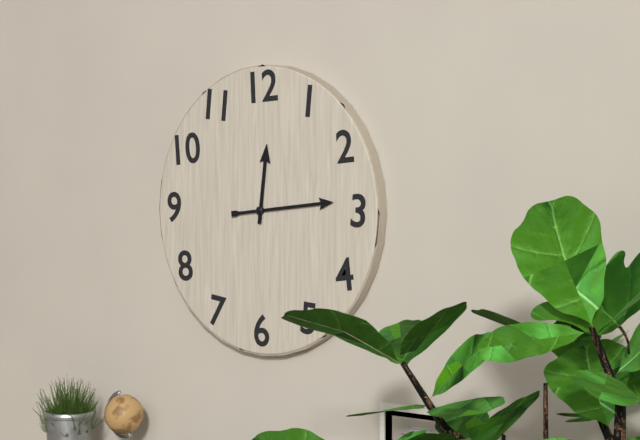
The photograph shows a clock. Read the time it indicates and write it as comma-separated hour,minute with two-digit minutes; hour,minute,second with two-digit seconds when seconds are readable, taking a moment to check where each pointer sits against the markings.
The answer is 12,14
